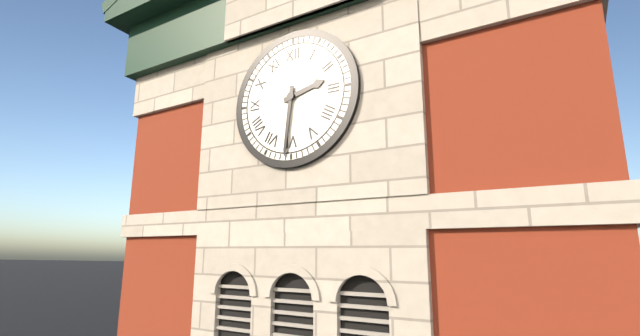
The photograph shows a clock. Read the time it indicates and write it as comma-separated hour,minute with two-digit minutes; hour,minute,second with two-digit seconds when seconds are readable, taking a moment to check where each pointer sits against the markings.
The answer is 2,31
